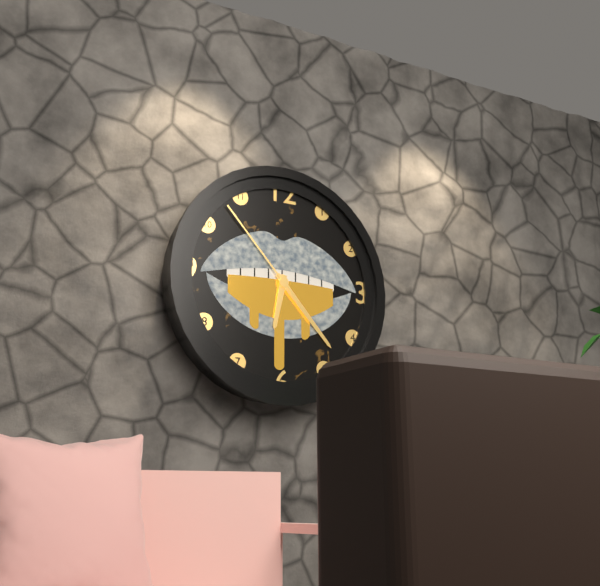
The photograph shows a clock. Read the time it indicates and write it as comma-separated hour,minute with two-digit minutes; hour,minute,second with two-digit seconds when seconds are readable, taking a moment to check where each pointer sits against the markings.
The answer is 6,23,53
